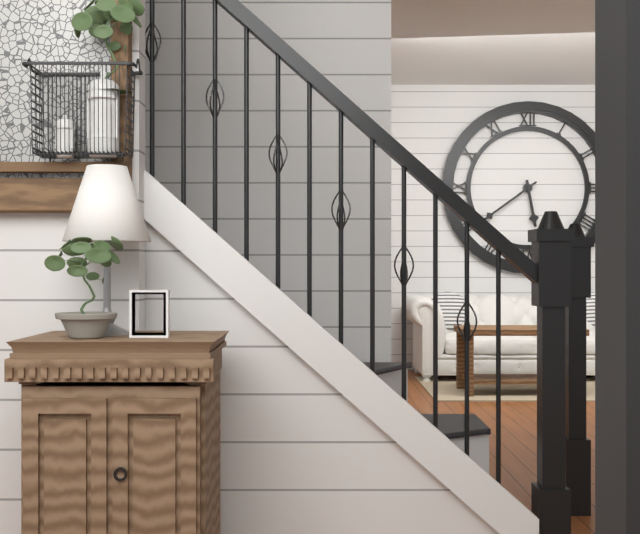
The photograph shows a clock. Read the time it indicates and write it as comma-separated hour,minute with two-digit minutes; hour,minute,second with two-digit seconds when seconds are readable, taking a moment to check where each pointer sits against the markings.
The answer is 5,39
